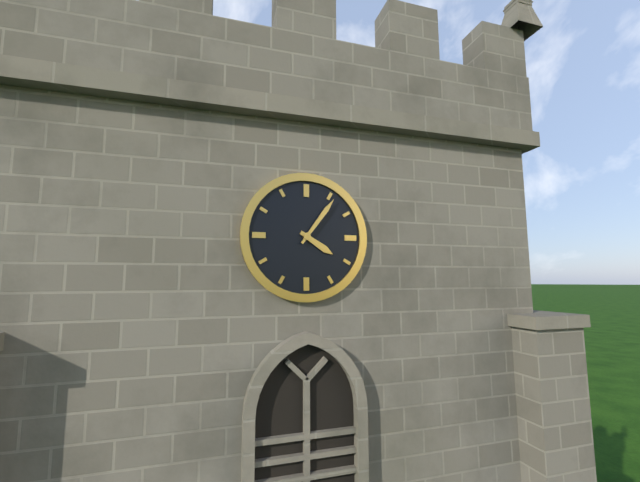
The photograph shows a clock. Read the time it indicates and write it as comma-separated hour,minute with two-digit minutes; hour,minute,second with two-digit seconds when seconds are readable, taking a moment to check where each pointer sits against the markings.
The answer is 4,06
